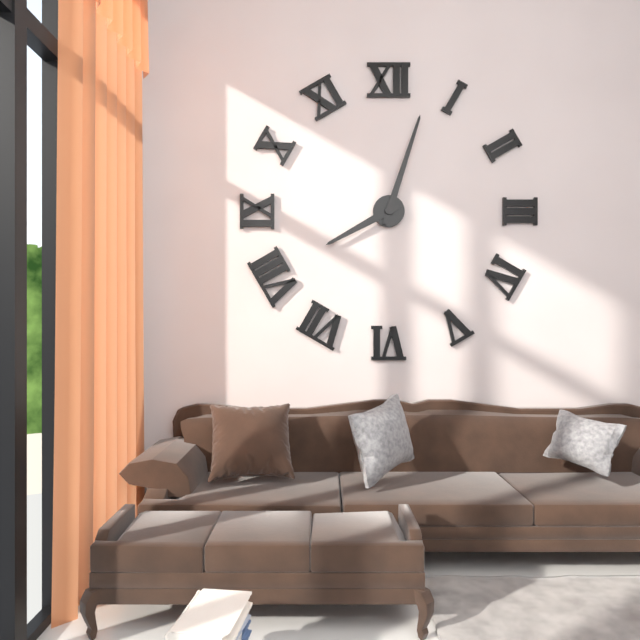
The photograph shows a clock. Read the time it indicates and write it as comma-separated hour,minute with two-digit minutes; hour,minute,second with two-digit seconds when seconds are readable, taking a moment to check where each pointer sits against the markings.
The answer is 8,03
